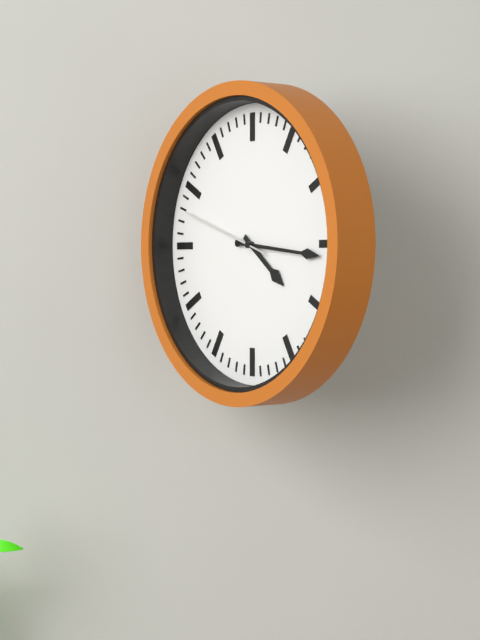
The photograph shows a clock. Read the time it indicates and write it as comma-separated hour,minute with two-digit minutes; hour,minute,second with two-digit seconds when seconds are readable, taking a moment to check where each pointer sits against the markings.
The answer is 4,16,48
